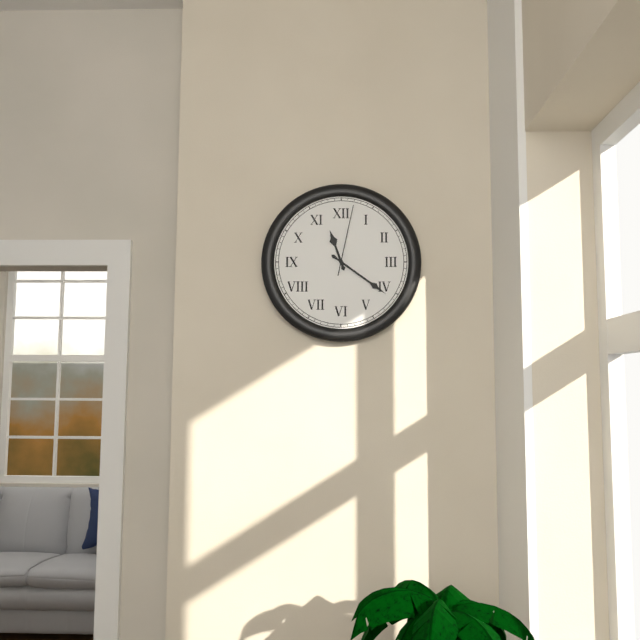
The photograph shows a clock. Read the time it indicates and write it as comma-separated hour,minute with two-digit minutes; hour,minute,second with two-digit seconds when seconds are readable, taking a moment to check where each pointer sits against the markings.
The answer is 11,21,02
